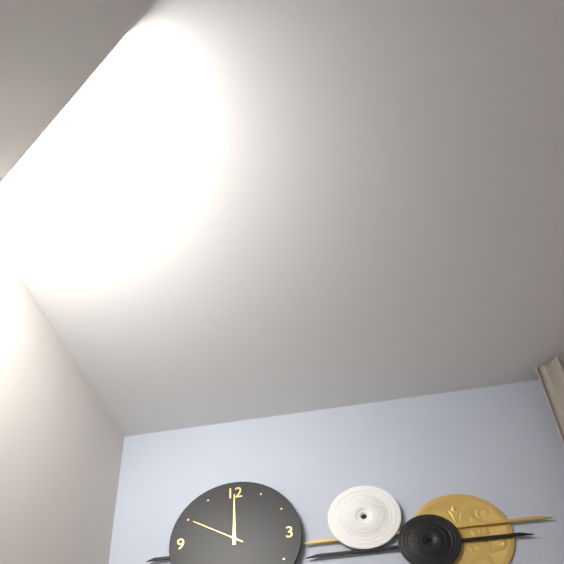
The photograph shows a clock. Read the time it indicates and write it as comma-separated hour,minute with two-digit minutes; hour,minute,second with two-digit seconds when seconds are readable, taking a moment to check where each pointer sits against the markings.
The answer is 12,00,50
